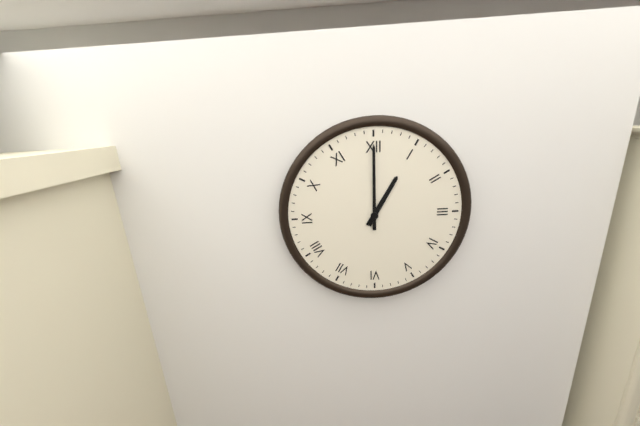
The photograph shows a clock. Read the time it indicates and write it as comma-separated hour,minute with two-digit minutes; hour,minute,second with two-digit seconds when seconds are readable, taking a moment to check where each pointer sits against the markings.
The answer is 1,00
